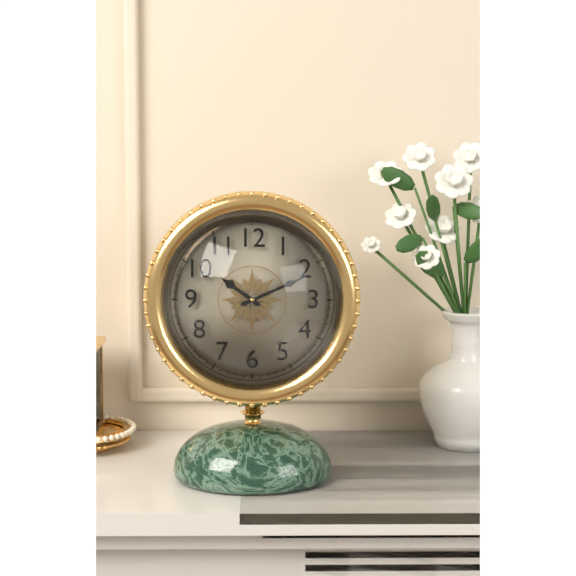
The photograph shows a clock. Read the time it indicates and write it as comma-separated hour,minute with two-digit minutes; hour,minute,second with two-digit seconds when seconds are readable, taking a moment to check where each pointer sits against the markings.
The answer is 10,11
